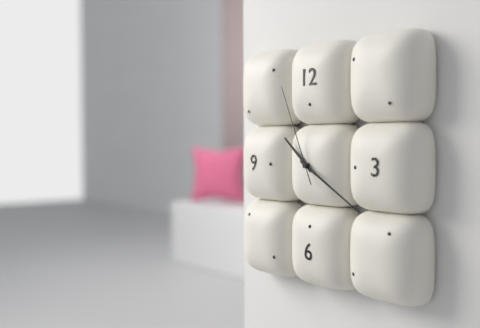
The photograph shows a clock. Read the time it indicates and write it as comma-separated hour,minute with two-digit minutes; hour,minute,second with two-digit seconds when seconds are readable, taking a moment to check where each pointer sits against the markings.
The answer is 10,20,56
